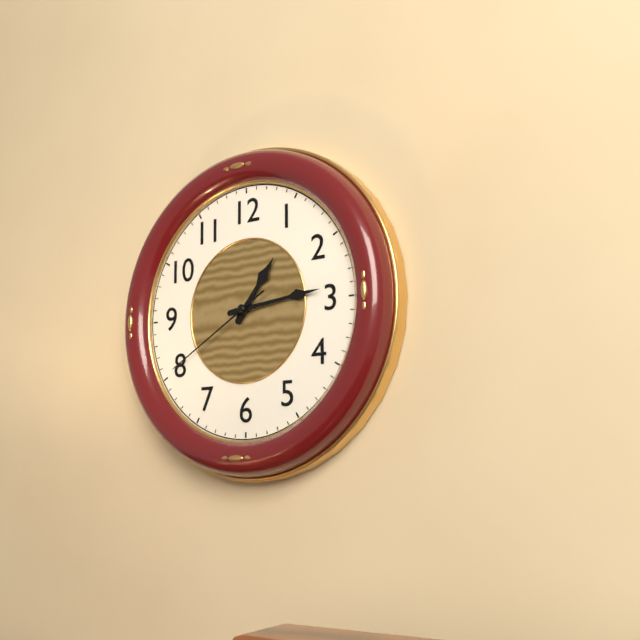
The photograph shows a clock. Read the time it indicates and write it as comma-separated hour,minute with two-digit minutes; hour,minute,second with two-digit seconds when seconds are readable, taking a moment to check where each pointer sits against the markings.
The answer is 1,14,40
